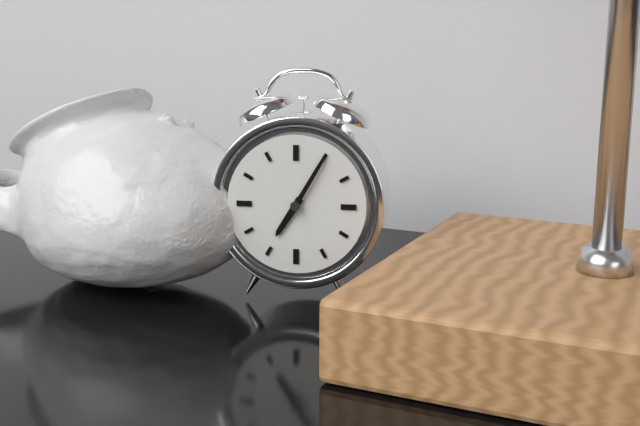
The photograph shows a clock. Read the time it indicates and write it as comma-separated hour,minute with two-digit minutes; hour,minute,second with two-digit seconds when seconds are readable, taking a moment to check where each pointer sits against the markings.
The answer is 7,05
